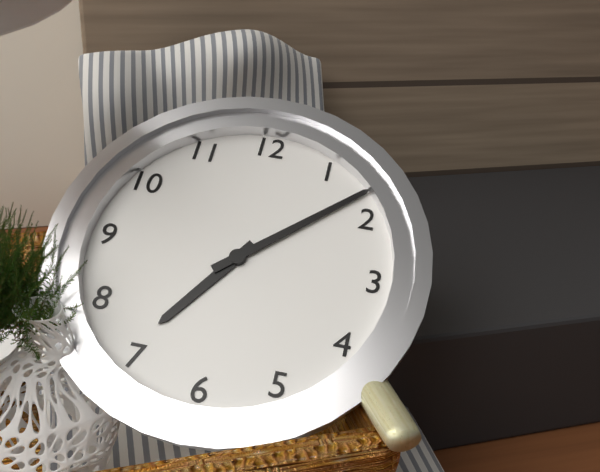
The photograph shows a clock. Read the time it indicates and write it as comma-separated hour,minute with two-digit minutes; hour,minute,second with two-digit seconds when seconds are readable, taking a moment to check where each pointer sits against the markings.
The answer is 7,08
